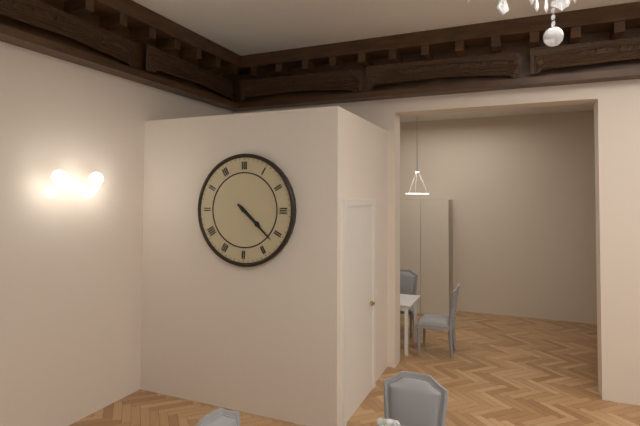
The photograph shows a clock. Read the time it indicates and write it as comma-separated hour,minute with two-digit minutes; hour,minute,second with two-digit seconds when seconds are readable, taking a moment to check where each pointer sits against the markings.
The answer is 4,22
